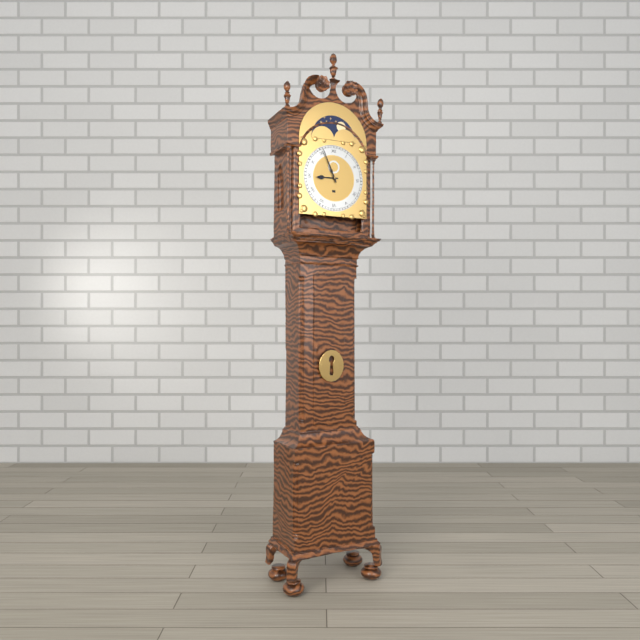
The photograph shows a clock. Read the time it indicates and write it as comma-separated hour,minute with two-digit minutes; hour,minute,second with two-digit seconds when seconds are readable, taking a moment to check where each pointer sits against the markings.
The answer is 8,56
